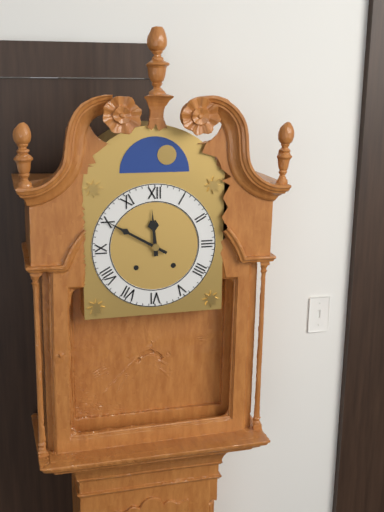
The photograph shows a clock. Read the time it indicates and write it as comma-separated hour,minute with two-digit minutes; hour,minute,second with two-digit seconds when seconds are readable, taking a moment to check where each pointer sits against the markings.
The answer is 11,50
